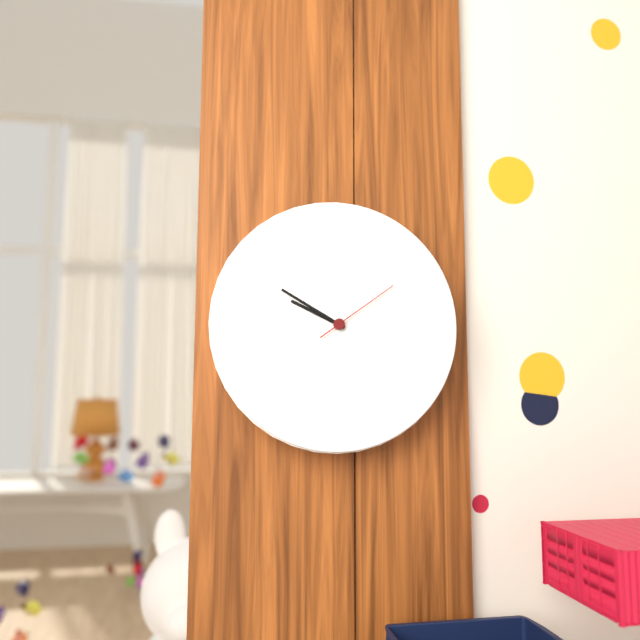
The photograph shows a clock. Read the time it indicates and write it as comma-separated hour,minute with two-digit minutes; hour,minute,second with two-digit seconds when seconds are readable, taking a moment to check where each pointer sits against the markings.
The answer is 9,50,09
